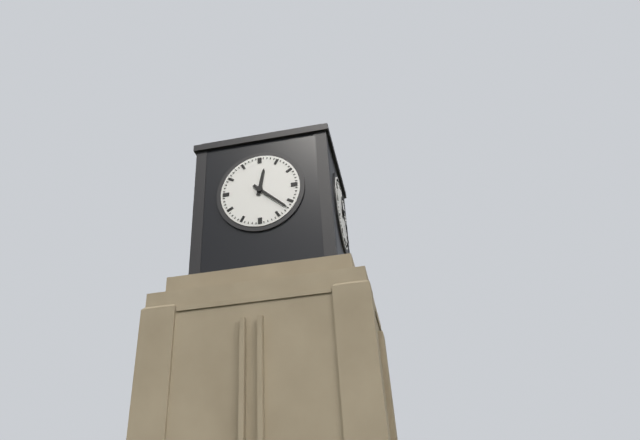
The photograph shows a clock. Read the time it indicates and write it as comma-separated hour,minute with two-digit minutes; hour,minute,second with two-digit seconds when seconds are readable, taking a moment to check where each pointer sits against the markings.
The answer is 12,22
